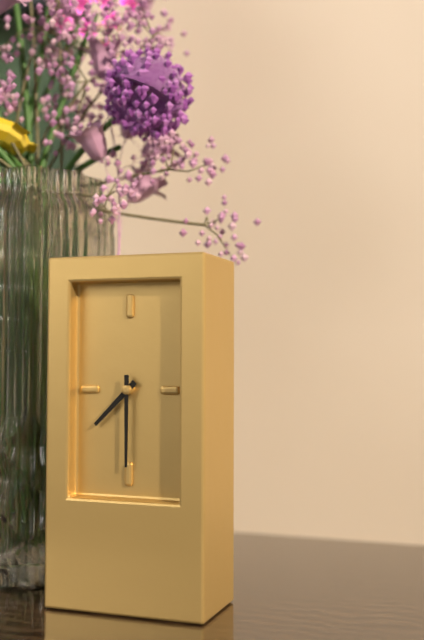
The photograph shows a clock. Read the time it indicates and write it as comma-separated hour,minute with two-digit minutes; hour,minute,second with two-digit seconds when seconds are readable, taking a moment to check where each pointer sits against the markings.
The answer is 7,30
